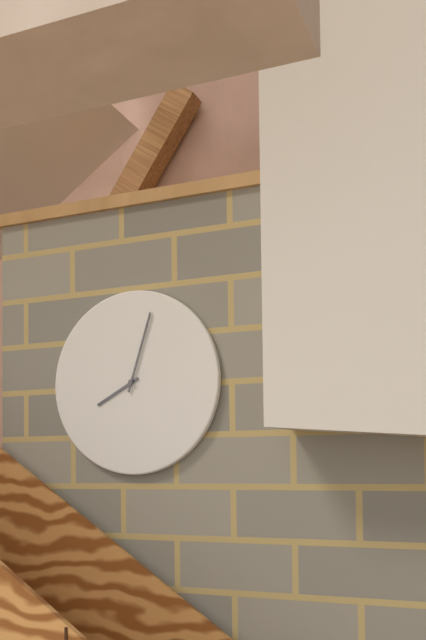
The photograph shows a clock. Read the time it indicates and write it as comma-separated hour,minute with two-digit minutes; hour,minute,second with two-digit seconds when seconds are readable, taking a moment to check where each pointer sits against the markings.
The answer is 8,03
